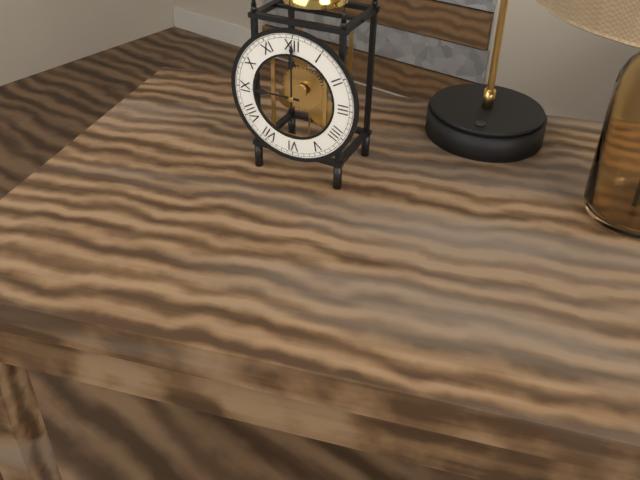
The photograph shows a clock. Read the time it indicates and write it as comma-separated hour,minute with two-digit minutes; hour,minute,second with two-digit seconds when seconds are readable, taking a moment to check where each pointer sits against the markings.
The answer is 9,00
